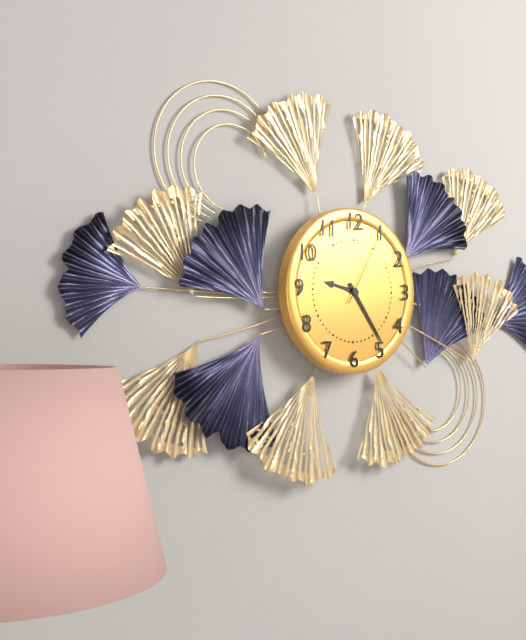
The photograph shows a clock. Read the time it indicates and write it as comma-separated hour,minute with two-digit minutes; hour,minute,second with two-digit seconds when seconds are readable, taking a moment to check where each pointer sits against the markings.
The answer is 9,24,05
